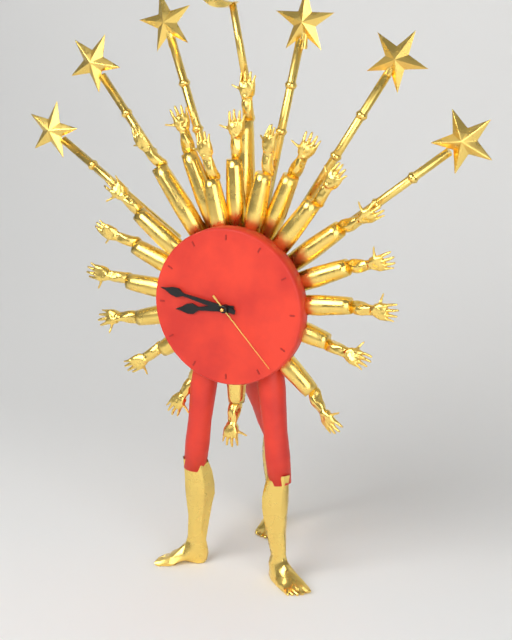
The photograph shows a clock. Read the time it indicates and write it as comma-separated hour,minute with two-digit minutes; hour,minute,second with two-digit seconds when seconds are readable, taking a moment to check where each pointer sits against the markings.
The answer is 8,47,23
